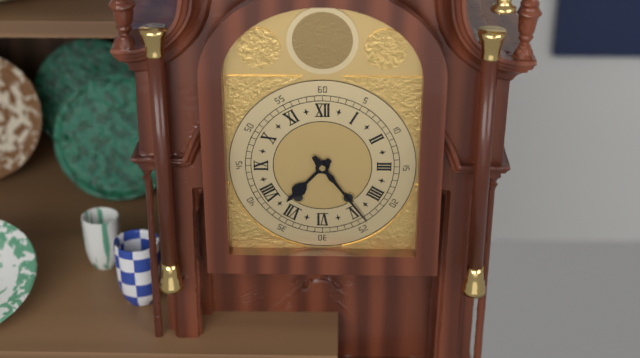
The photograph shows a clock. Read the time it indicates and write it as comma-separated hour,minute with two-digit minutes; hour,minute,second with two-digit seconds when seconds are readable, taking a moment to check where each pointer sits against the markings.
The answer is 7,24
